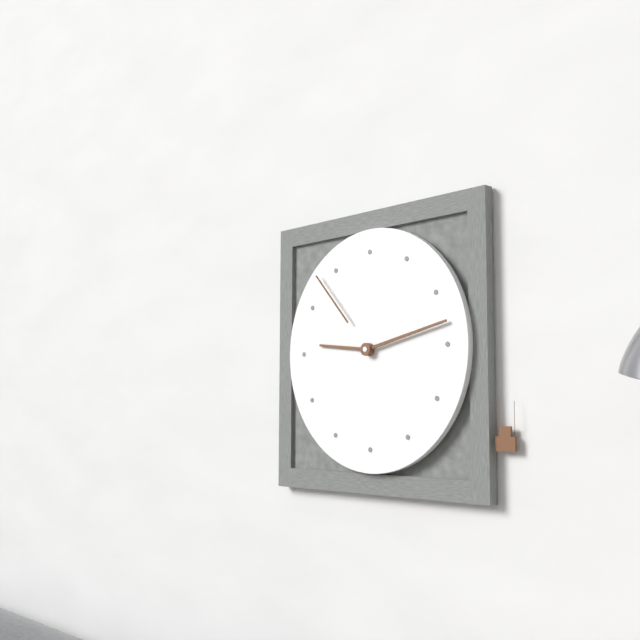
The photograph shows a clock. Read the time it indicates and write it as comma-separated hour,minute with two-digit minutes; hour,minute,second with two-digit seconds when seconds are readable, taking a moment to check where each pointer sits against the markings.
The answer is 9,13,53
